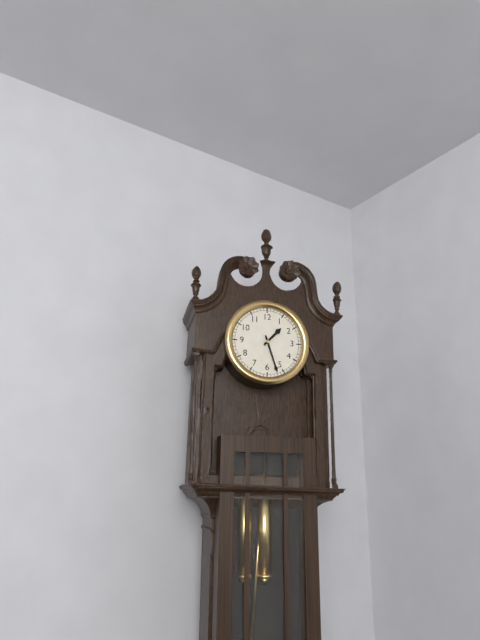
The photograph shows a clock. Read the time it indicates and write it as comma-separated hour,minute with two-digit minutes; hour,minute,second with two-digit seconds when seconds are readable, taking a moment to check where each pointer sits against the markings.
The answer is 1,27
